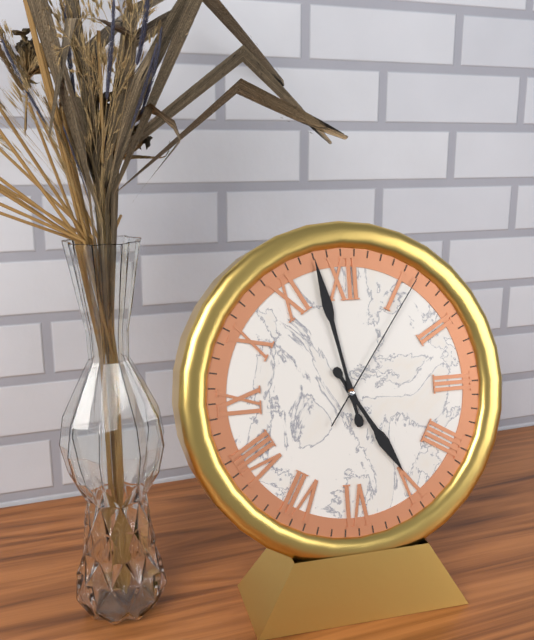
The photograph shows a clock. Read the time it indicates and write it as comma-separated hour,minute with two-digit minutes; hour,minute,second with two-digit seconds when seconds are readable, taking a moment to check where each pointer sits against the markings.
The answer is 4,58,06
